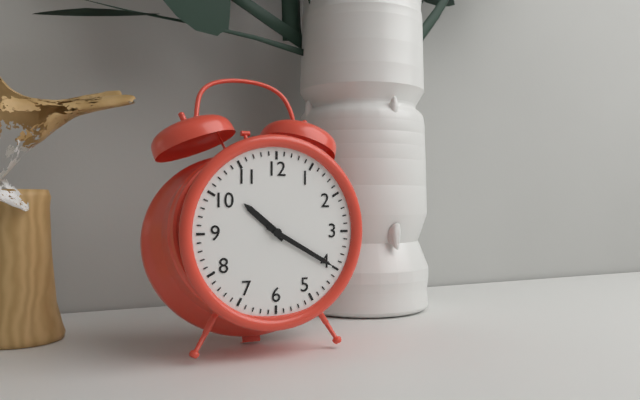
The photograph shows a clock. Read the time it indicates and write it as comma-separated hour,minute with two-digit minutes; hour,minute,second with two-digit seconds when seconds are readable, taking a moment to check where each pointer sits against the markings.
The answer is 10,20
